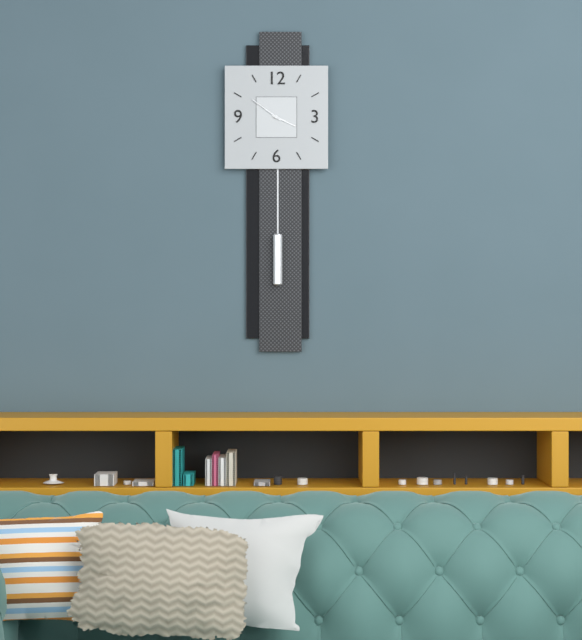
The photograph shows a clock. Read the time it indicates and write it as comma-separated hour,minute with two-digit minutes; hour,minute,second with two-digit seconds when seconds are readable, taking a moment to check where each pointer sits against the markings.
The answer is 3,51
